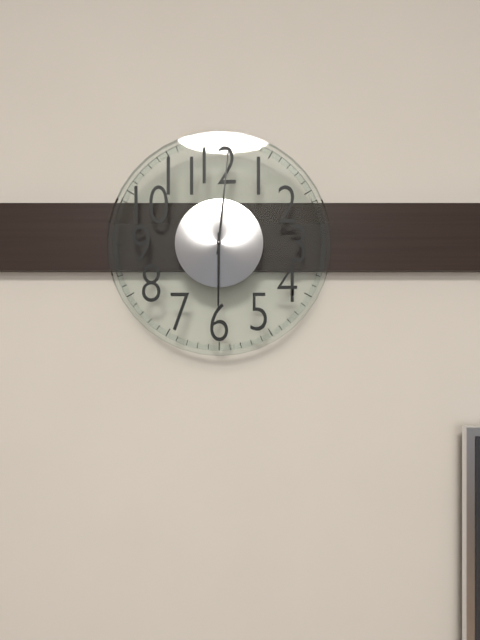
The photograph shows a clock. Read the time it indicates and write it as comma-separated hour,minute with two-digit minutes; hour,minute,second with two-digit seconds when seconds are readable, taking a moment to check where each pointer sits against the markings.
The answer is 6,01
